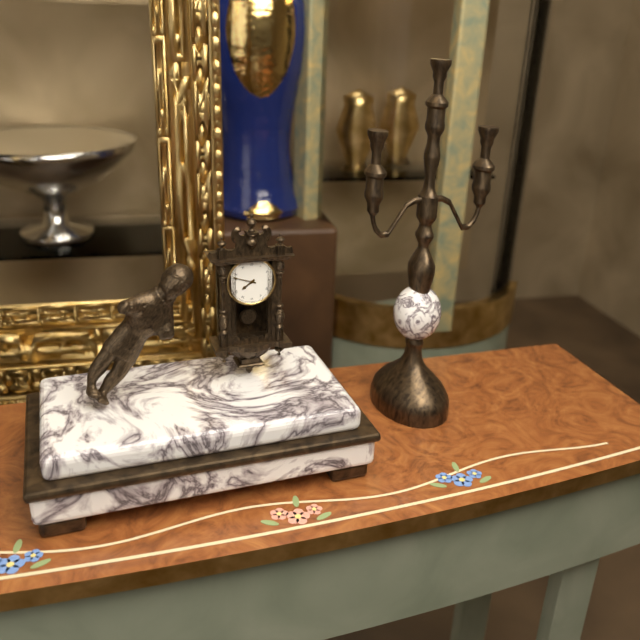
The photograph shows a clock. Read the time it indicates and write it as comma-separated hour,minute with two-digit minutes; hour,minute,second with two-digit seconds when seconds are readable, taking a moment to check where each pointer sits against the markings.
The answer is 7,48
